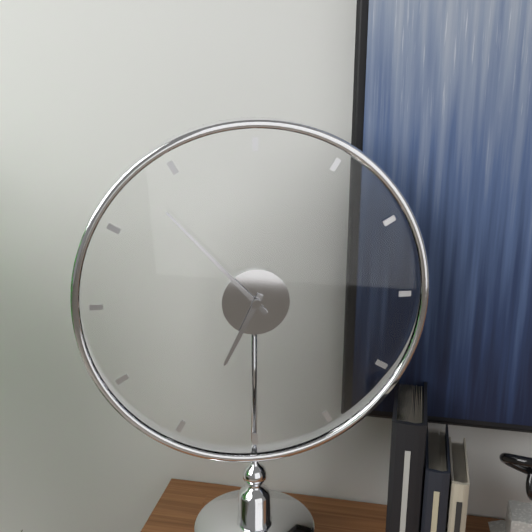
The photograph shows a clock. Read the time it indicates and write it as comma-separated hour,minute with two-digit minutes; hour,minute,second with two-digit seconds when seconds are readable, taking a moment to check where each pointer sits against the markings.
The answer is 6,53
